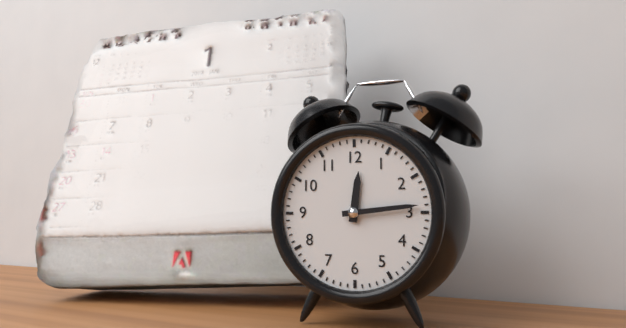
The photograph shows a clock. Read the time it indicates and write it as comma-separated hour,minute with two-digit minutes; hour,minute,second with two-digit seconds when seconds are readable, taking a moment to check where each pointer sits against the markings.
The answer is 12,14
